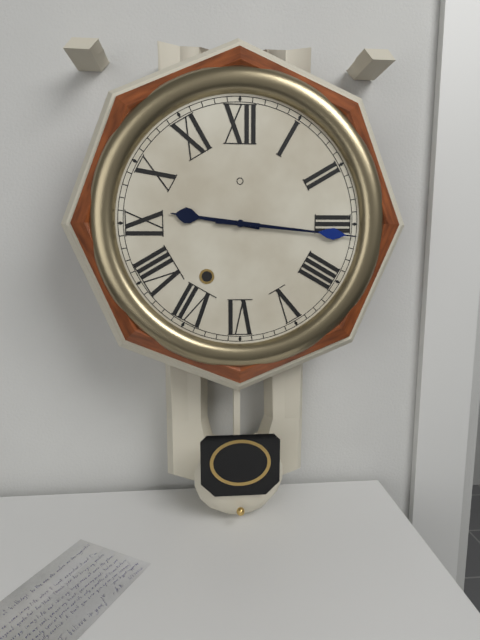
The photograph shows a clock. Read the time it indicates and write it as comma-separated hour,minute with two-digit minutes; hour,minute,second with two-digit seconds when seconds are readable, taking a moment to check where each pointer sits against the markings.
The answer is 9,16
